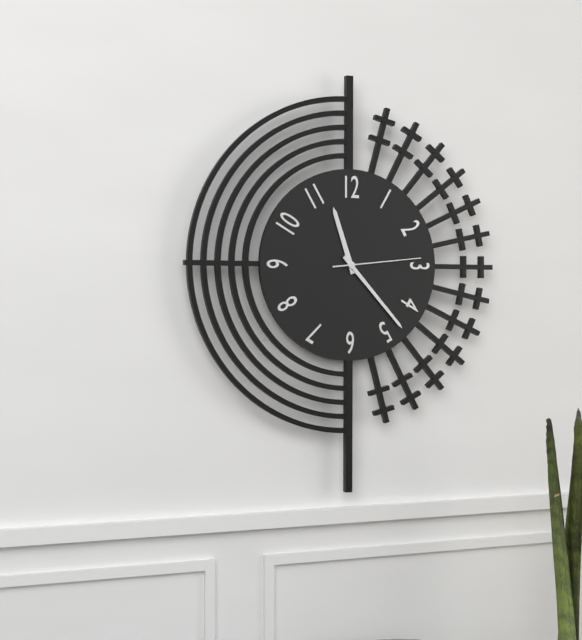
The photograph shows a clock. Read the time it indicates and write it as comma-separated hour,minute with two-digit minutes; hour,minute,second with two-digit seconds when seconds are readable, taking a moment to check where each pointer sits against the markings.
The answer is 11,23,14
